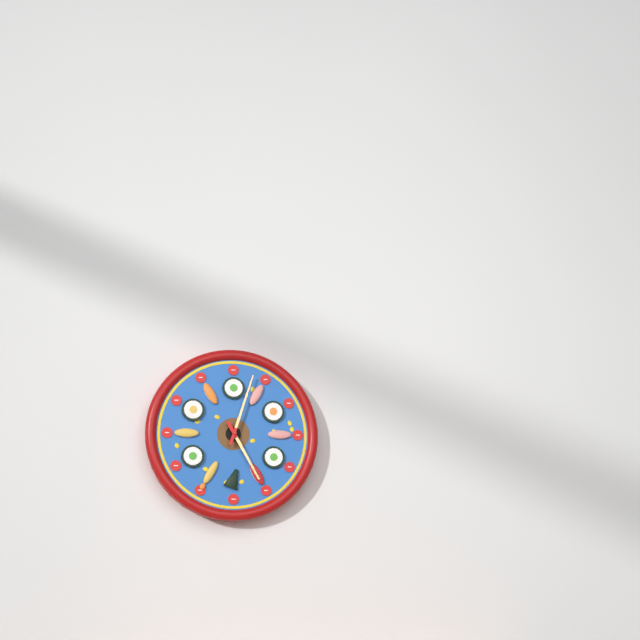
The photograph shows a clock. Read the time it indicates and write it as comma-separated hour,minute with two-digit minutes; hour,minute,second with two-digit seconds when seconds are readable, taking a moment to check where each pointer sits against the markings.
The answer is 5,03
